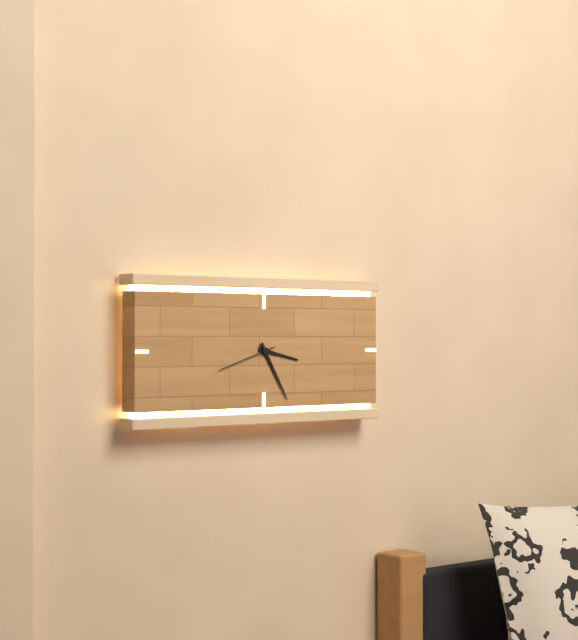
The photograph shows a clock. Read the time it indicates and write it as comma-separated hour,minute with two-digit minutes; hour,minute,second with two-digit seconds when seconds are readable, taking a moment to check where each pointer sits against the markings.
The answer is 3,25,42
